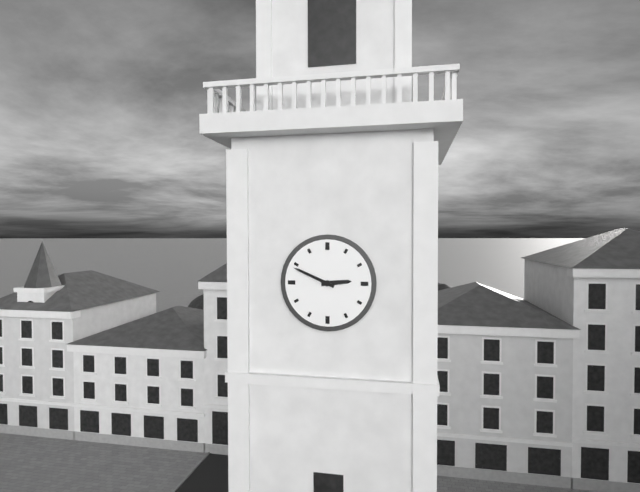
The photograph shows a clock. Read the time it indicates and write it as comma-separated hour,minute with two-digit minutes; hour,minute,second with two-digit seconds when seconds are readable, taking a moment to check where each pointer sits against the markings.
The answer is 2,49
